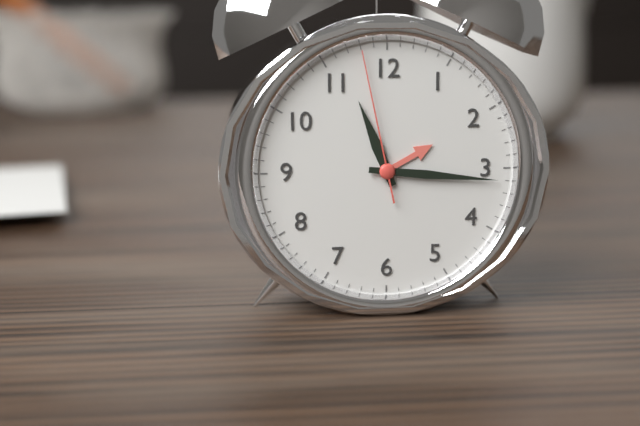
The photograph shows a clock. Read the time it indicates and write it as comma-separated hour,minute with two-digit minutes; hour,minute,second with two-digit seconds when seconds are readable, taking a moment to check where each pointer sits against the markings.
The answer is 11,16,58
